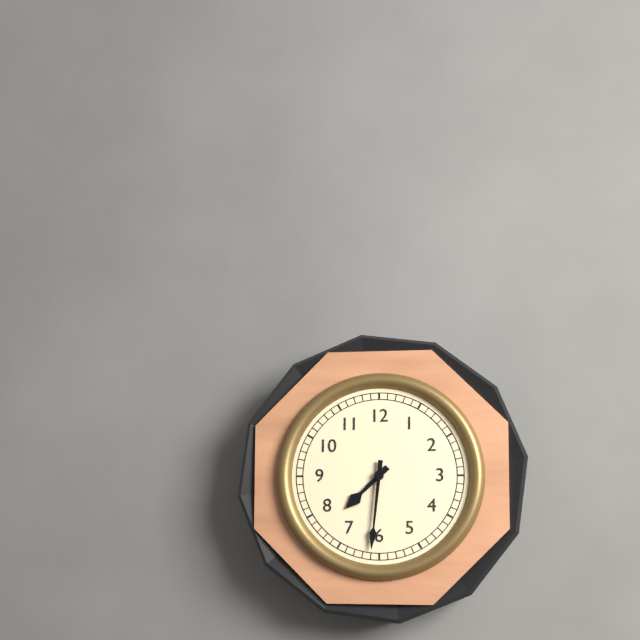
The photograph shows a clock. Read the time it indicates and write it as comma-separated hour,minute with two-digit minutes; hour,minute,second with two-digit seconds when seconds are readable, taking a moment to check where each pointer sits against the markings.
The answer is 7,31
